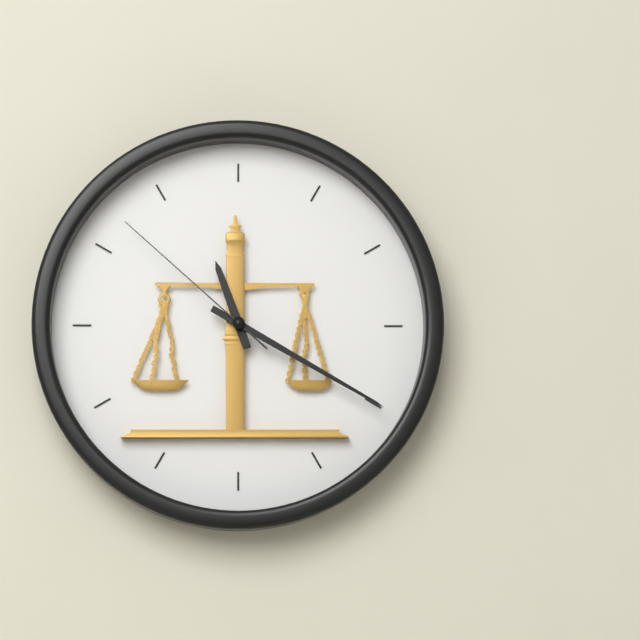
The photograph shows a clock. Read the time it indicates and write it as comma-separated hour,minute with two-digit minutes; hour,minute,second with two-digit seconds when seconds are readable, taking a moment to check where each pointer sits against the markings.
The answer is 11,20,52
